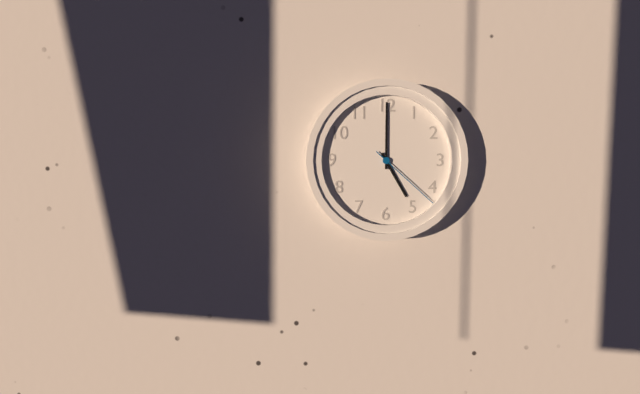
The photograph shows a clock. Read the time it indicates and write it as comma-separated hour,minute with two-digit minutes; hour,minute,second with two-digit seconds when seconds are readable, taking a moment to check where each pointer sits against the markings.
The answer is 5,00,22
